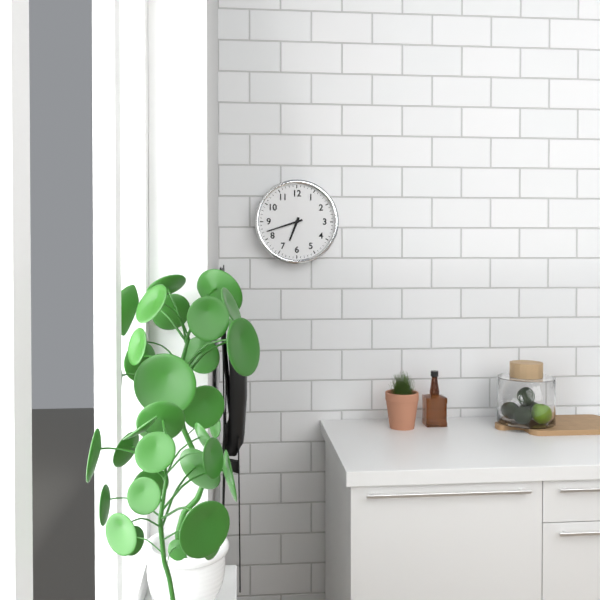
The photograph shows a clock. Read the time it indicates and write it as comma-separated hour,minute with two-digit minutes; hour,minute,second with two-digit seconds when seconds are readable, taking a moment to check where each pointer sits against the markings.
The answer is 6,42
